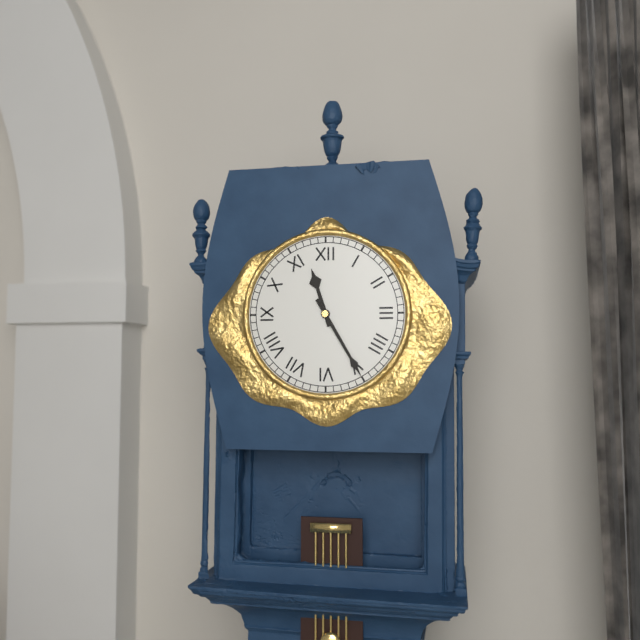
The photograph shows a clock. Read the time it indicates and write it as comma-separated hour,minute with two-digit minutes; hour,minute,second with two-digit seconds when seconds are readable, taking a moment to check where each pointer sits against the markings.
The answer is 11,25
